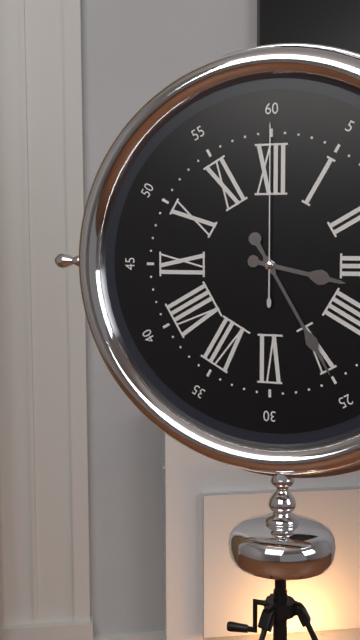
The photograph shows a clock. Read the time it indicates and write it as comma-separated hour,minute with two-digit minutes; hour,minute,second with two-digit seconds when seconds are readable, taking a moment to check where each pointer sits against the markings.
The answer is 3,25,00
